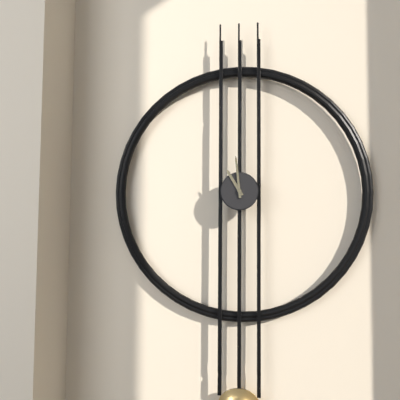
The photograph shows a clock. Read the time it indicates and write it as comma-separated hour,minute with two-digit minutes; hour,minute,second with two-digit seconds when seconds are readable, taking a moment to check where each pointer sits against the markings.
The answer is 10,59
